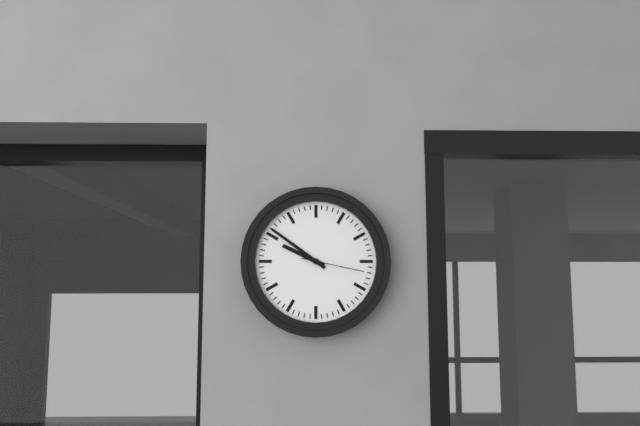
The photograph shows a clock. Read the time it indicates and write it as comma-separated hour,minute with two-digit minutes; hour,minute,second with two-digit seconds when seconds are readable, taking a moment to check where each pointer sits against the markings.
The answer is 9,51,17
